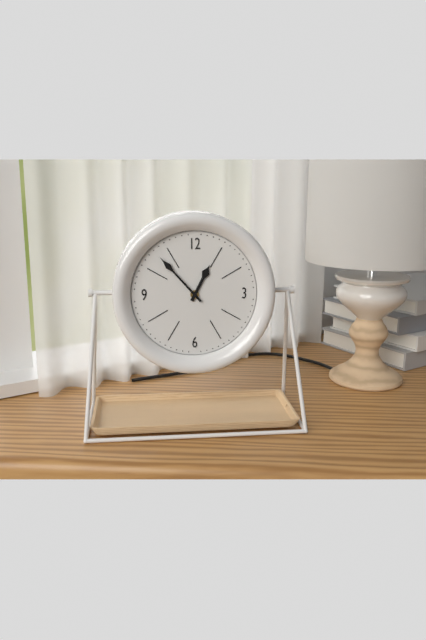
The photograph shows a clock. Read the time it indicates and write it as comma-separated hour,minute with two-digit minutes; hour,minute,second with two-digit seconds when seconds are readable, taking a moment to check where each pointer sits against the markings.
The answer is 12,53
